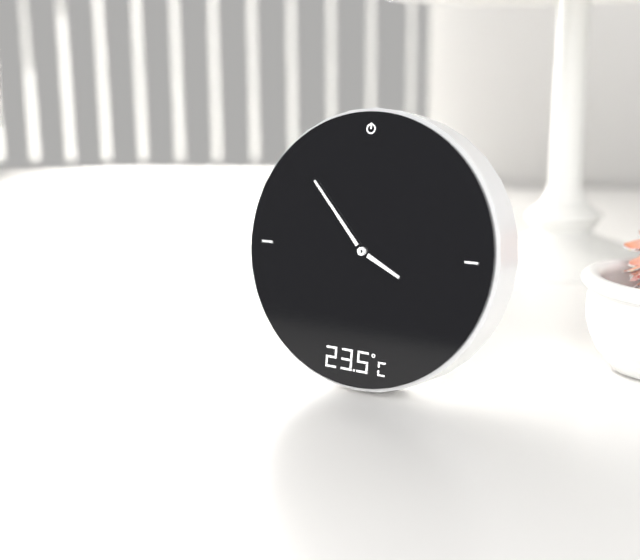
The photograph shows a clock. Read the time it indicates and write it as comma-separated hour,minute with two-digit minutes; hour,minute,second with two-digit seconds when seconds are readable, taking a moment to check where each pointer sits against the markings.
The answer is 3,53
